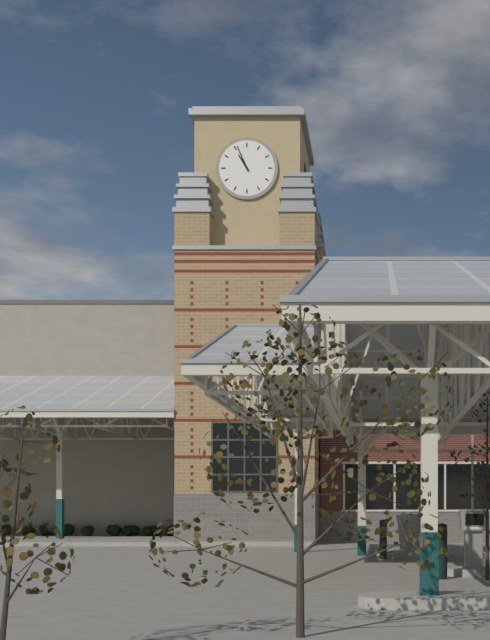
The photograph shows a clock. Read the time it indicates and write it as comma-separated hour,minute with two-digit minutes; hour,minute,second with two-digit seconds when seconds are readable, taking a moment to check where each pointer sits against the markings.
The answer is 10,56
